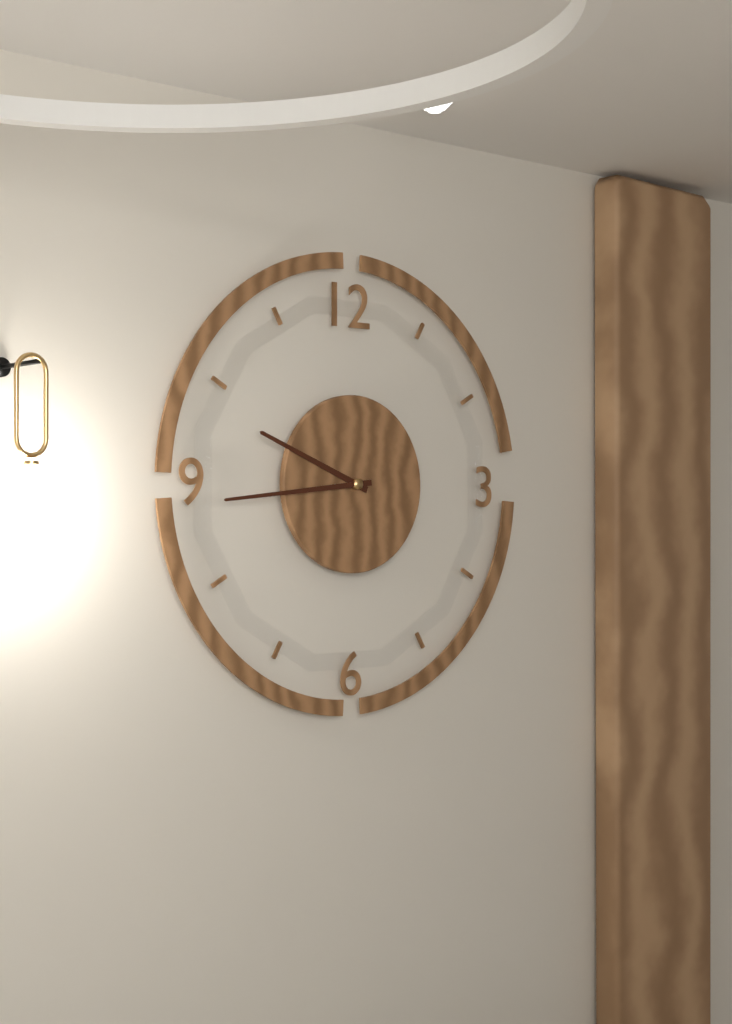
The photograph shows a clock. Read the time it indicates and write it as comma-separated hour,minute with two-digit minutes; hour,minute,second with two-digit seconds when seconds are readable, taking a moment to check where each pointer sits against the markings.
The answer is 9,44
